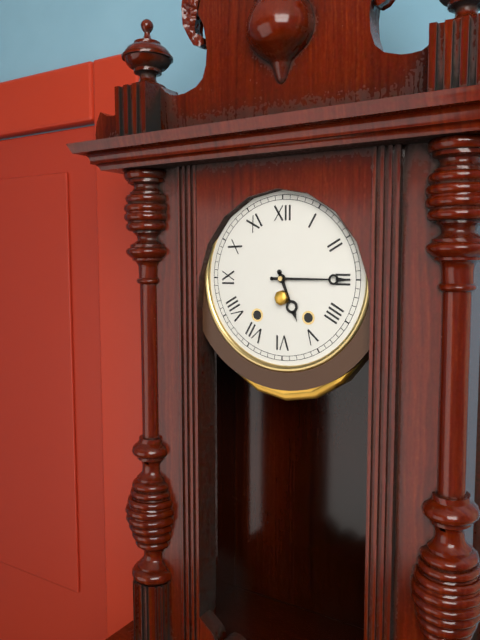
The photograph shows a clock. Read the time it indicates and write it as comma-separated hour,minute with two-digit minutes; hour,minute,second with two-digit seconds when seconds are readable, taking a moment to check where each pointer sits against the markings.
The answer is 5,15
